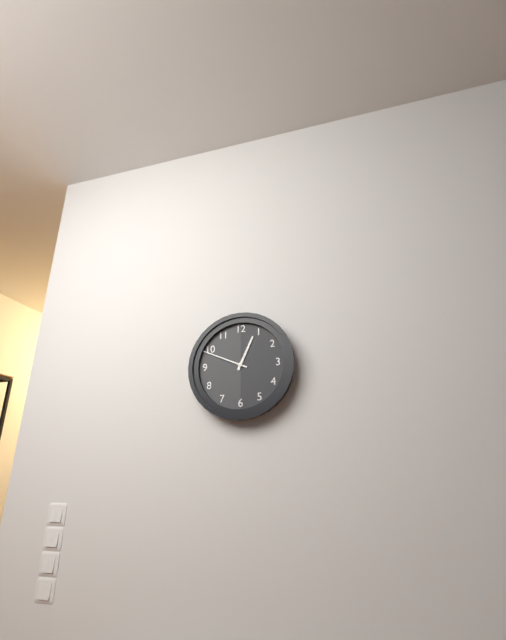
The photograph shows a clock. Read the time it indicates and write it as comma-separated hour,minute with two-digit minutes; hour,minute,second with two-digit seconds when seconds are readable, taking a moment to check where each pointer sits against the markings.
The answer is 12,49
